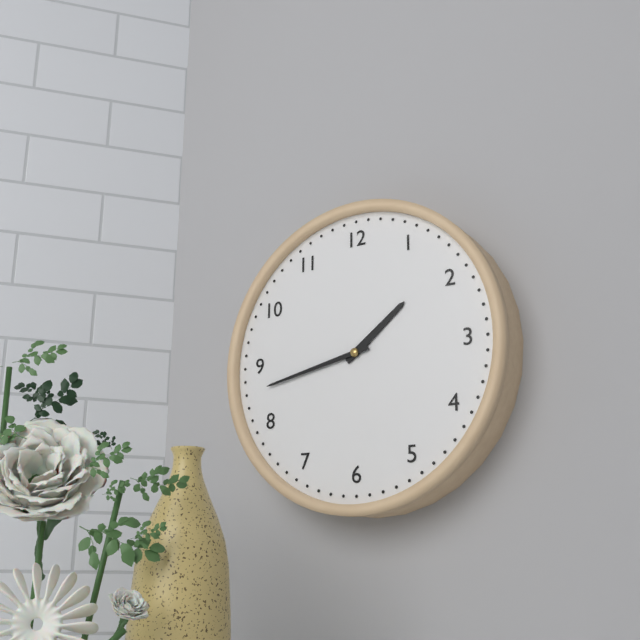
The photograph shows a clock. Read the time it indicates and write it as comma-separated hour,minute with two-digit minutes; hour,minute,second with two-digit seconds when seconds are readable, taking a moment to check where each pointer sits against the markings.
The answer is 1,43
